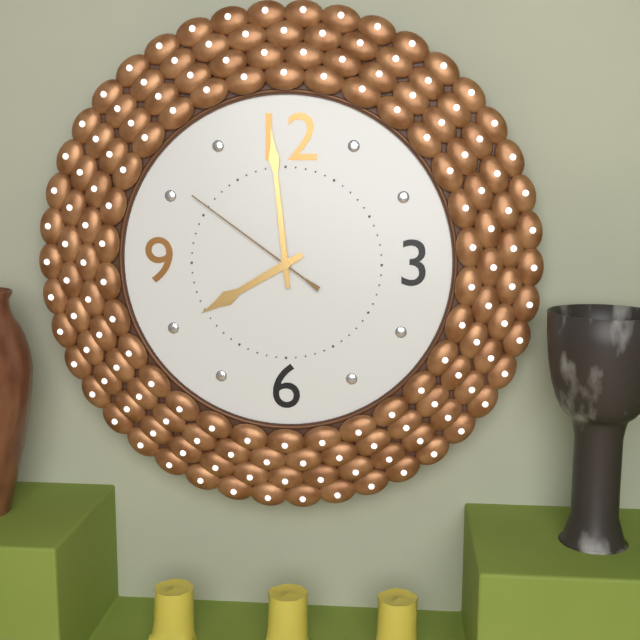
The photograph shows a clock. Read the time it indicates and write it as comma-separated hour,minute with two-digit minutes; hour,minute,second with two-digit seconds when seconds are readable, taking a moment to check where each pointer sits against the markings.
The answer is 7,59,51
